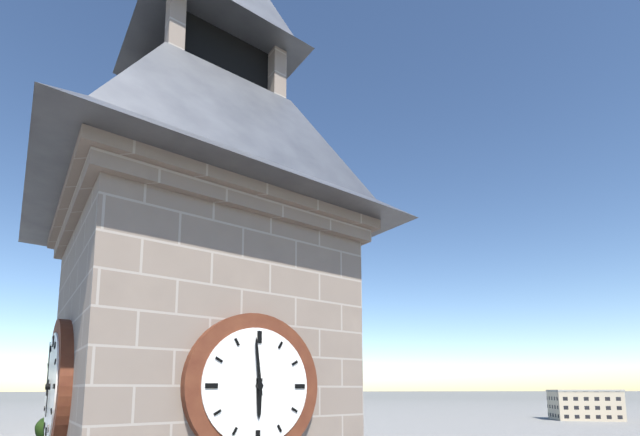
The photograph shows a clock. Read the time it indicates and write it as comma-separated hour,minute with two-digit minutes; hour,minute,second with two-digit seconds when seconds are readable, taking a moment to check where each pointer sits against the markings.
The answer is 5,59
